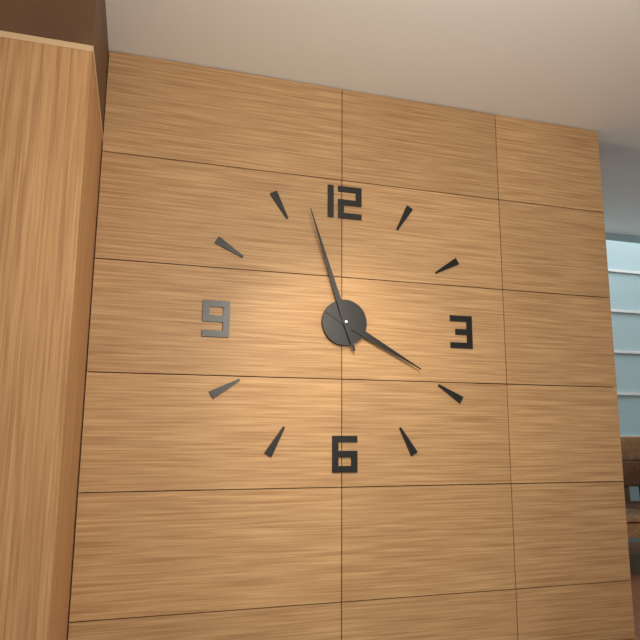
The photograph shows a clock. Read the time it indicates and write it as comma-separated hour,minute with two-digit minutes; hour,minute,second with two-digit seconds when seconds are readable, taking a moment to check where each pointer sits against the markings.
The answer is 3,57
